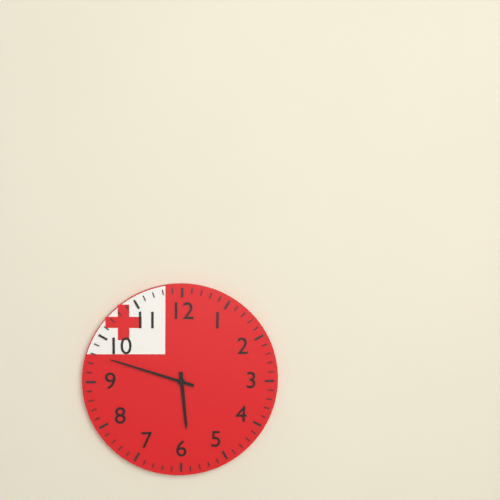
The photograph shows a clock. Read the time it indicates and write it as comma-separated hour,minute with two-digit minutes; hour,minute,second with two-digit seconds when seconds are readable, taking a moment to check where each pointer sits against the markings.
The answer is 5,48
